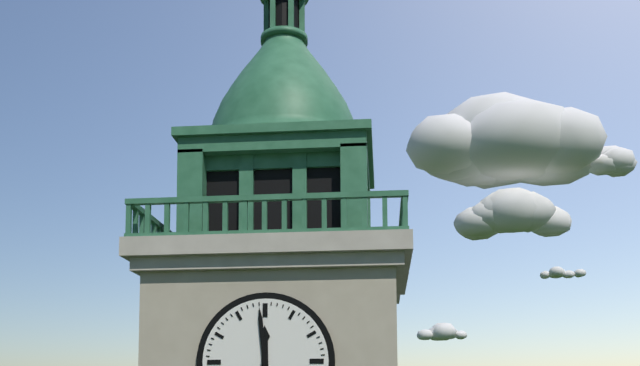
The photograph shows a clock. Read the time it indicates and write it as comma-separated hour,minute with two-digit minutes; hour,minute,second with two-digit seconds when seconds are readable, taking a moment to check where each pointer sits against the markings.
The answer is 11,59
